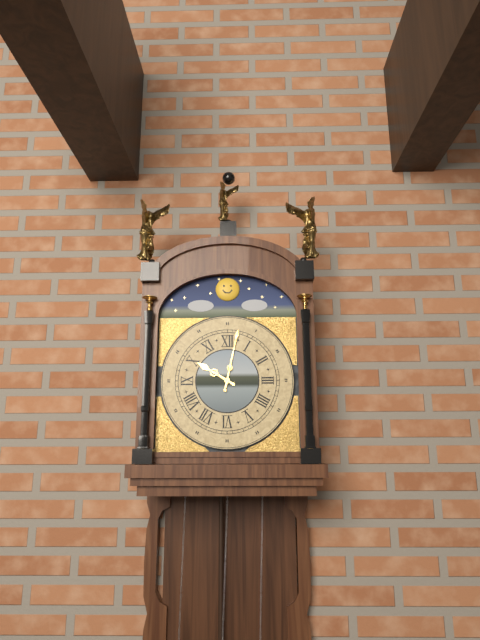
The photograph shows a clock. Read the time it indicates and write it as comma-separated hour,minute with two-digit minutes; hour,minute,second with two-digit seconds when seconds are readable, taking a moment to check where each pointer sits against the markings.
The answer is 10,02
